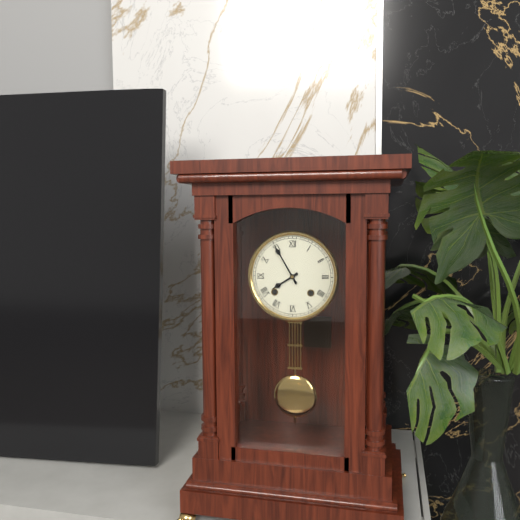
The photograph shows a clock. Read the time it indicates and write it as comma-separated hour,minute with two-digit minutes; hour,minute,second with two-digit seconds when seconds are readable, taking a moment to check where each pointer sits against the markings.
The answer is 7,55
